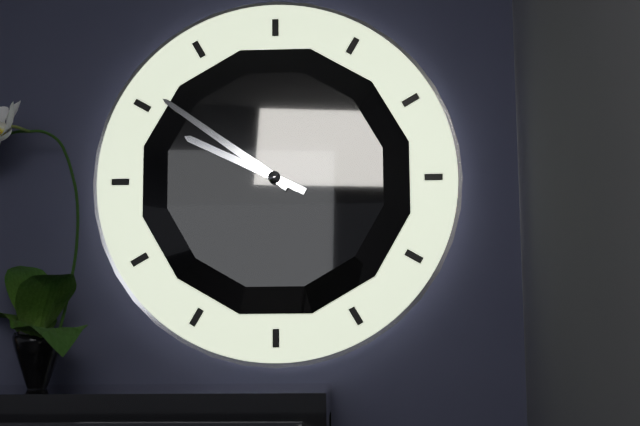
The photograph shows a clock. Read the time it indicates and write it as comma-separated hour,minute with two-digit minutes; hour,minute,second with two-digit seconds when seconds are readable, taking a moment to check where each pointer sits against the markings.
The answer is 9,51
